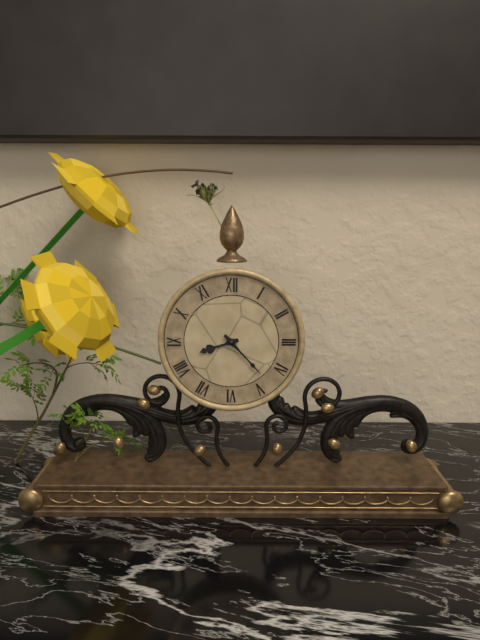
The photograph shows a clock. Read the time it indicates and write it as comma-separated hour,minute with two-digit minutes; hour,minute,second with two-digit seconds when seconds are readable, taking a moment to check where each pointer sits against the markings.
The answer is 8,23
